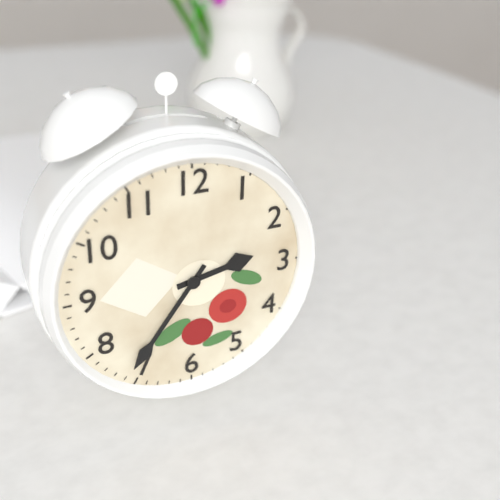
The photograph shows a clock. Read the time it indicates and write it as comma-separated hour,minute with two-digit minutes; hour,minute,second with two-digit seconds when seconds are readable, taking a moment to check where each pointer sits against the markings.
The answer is 2,36
